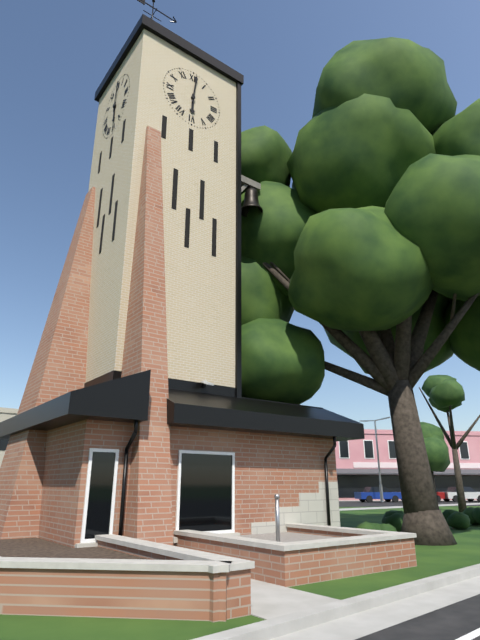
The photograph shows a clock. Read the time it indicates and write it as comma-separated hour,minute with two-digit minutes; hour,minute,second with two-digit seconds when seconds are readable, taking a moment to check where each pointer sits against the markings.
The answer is 6,01
